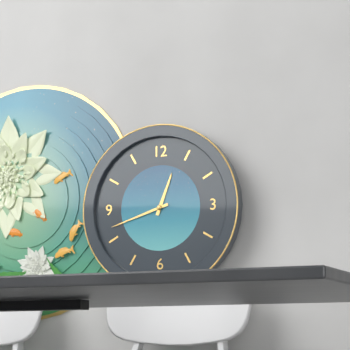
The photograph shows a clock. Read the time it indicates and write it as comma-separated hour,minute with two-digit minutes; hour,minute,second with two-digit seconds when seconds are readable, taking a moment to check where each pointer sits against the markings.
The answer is 12,42
